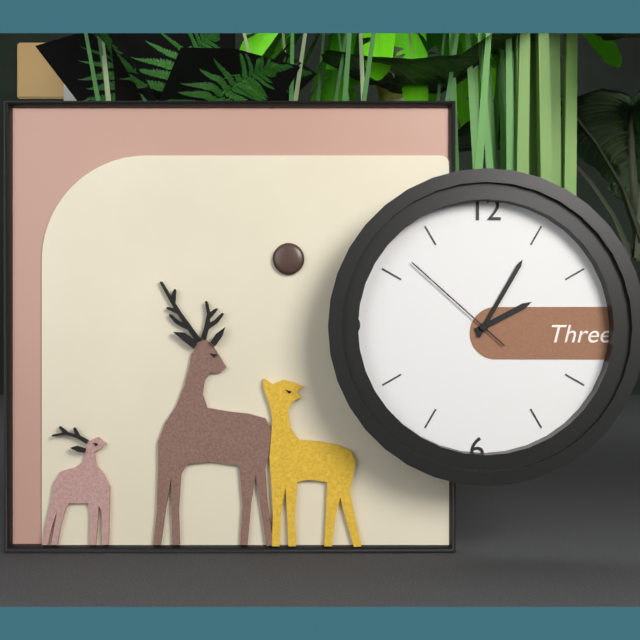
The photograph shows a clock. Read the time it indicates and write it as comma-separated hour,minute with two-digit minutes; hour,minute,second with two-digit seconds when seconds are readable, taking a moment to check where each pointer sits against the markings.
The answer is 2,05,52
